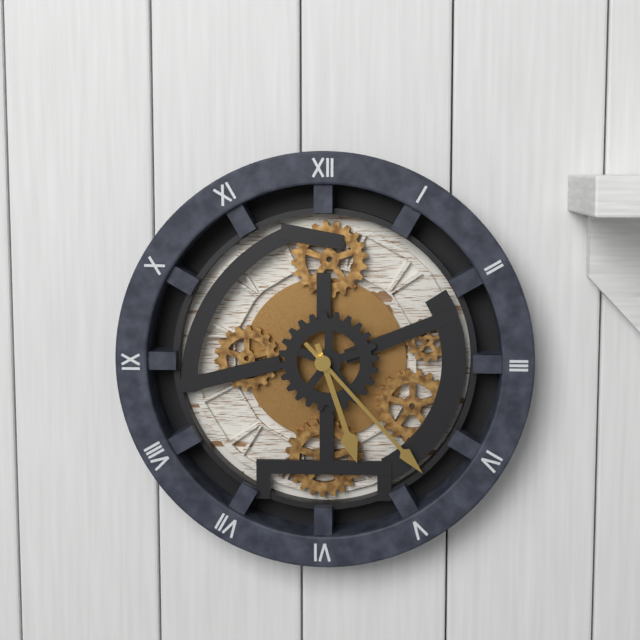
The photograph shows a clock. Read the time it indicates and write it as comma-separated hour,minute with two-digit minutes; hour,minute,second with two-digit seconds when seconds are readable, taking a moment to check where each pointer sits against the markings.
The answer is 5,23
